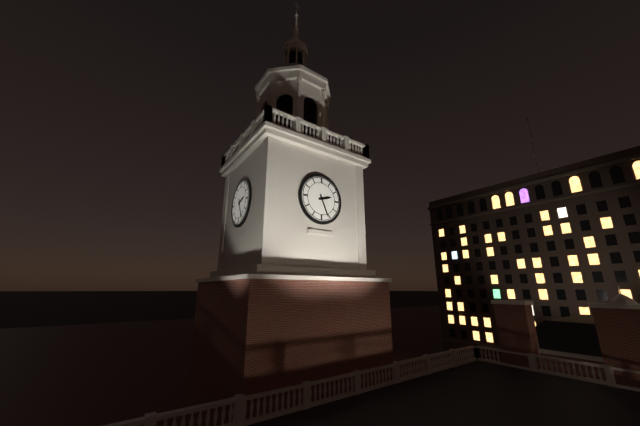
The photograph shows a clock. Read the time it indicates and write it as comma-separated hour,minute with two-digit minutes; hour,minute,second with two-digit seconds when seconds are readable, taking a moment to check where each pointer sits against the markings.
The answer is 2,26
